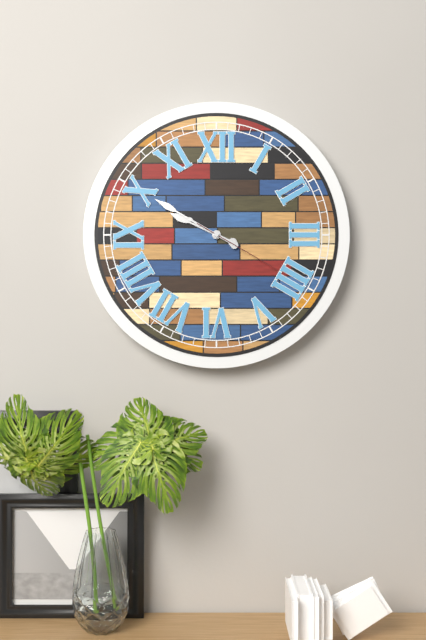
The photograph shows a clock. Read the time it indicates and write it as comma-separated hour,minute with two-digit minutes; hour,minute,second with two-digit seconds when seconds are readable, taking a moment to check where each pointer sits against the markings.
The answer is 9,50,20
